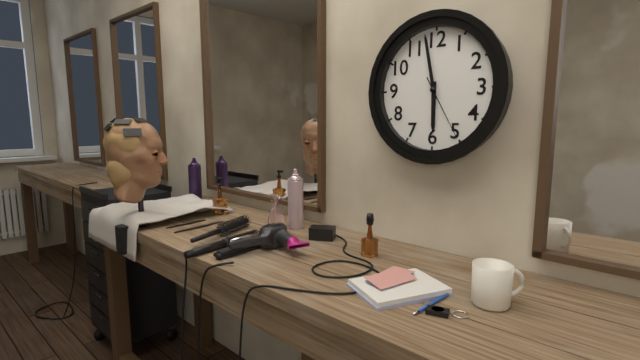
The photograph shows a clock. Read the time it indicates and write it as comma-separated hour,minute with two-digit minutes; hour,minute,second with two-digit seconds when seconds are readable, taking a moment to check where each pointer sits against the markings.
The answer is 5,58,25
